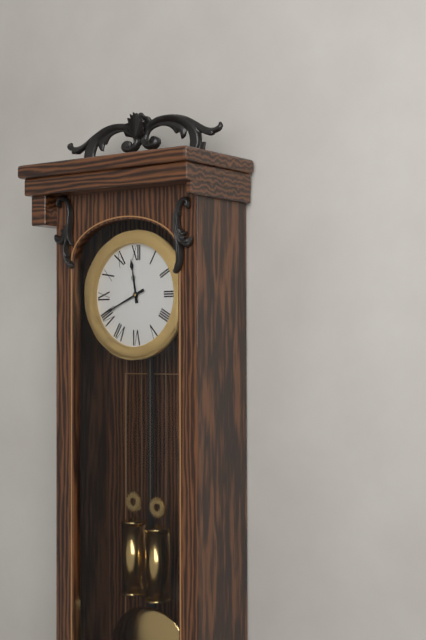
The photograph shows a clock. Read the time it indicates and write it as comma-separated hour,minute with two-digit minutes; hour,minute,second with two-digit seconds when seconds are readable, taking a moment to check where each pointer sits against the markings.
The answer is 11,41
